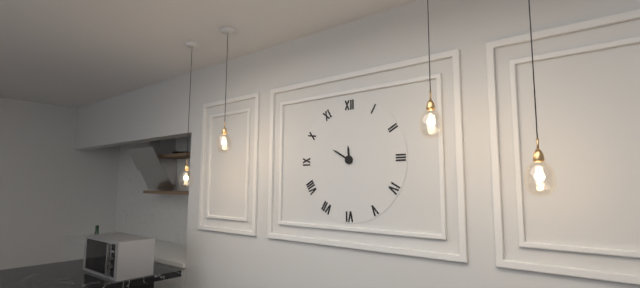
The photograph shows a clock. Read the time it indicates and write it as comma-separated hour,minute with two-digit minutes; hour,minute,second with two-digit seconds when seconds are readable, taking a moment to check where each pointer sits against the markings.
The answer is 11,50
